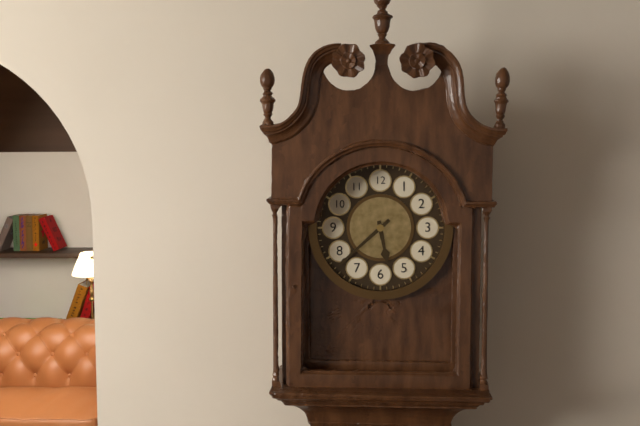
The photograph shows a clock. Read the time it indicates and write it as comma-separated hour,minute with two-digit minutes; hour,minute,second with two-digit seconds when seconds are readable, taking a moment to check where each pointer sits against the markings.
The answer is 5,38
